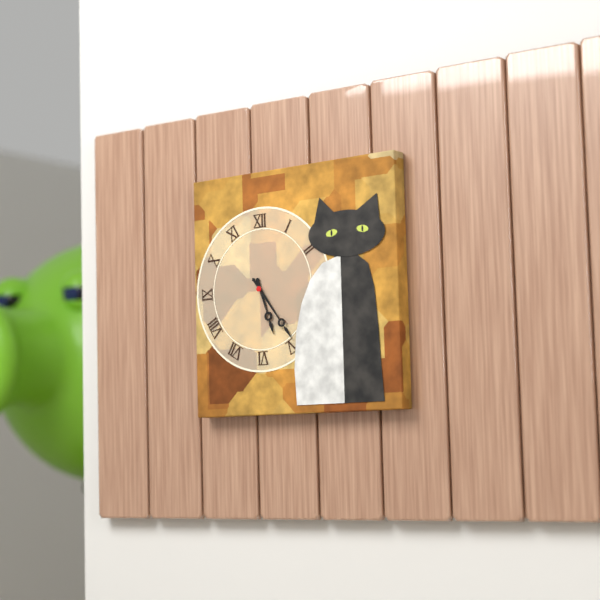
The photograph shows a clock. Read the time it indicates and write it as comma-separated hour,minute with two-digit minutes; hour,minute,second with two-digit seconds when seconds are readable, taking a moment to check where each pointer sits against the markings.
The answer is 5,24
